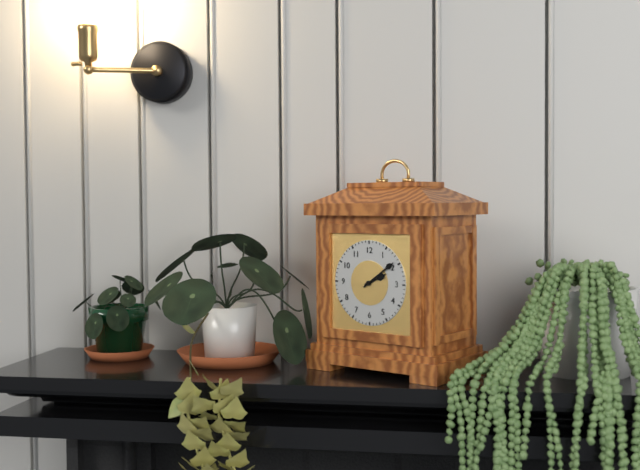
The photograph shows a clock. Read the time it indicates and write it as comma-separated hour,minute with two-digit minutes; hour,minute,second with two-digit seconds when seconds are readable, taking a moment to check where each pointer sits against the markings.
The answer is 2,09
